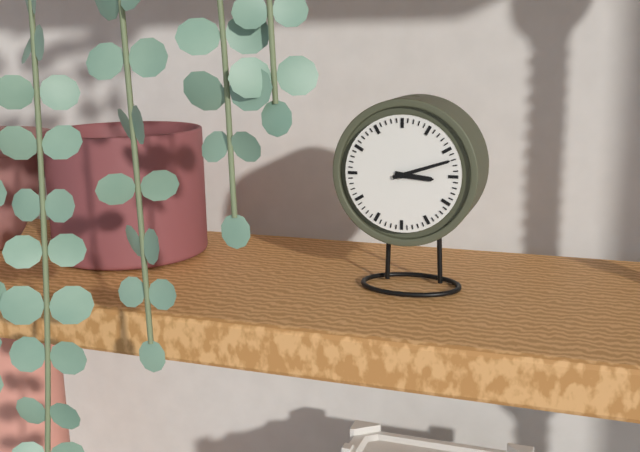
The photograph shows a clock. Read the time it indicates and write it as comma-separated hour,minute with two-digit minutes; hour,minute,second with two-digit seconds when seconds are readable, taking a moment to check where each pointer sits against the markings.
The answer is 3,12
